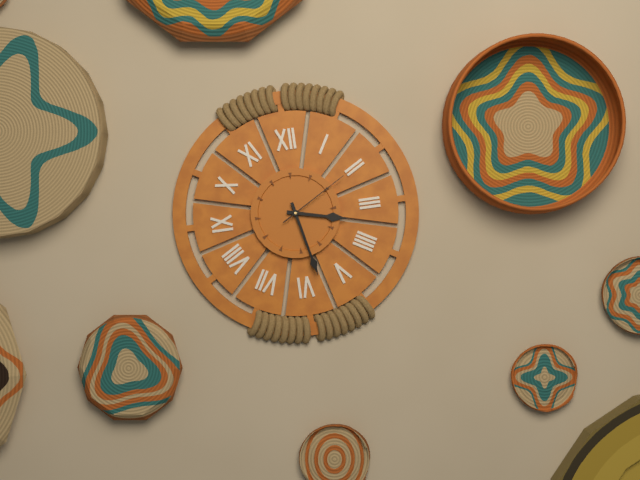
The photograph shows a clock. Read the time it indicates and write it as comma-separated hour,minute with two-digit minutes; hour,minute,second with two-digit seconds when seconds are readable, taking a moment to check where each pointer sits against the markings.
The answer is 3,28,10
